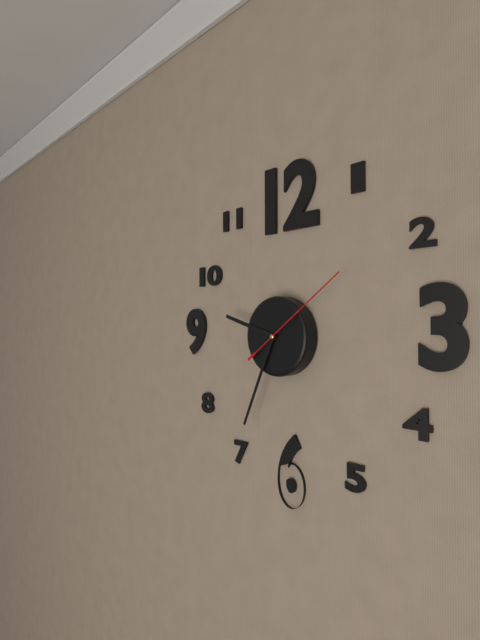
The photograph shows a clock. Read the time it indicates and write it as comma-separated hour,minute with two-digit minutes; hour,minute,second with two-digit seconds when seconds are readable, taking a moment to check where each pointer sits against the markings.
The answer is 9,34,09
